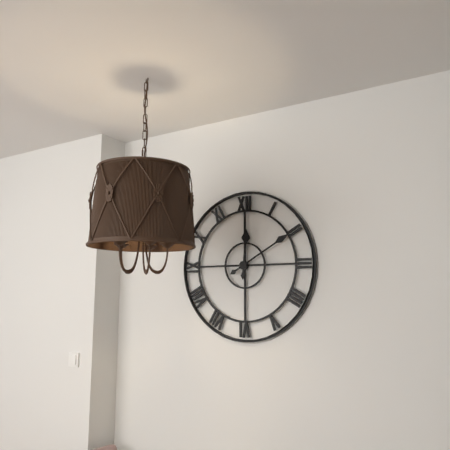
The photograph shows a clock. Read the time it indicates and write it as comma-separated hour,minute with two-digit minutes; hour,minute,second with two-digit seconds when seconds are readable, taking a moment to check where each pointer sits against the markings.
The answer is 12,10
